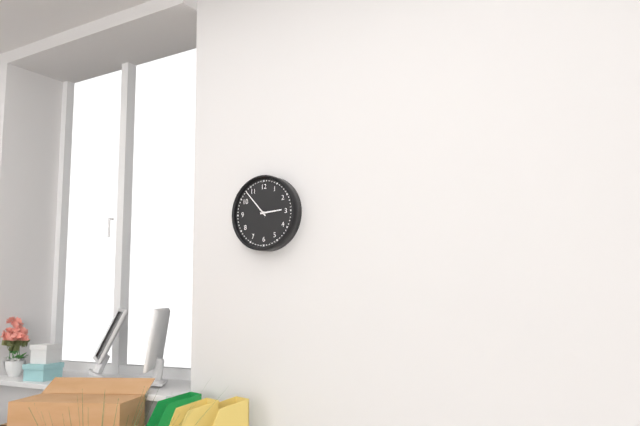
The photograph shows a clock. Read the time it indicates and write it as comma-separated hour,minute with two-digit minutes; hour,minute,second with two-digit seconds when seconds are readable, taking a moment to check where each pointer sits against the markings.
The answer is 2,53
